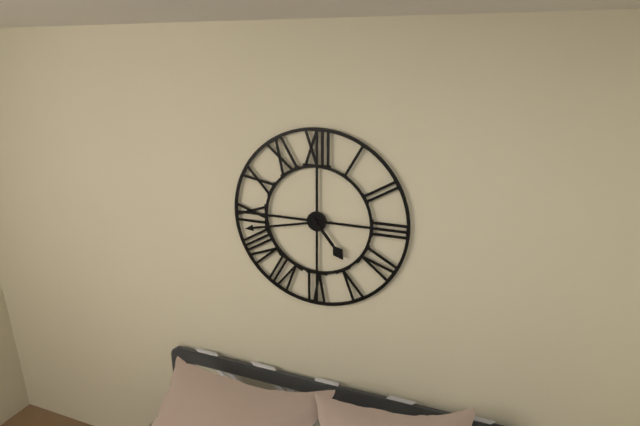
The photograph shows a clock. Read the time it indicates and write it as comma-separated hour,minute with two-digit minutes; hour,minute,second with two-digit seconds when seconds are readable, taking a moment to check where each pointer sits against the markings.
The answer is 4,43
